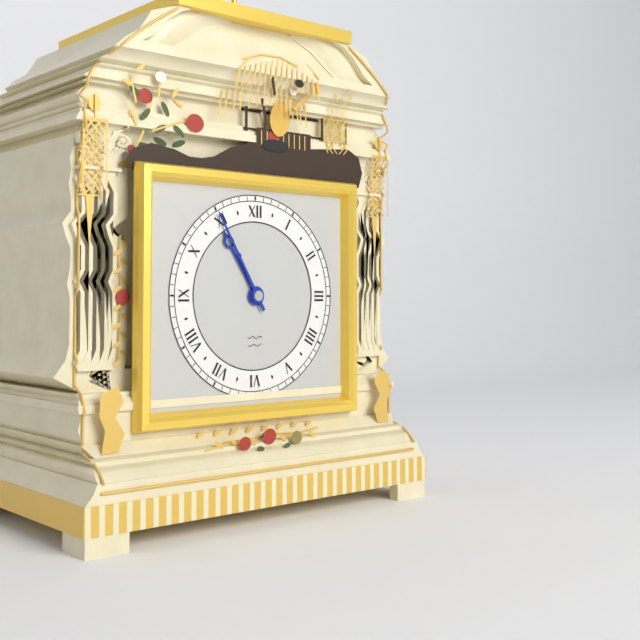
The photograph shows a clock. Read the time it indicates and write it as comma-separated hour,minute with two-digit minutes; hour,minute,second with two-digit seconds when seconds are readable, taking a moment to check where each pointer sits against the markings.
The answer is 10,55
